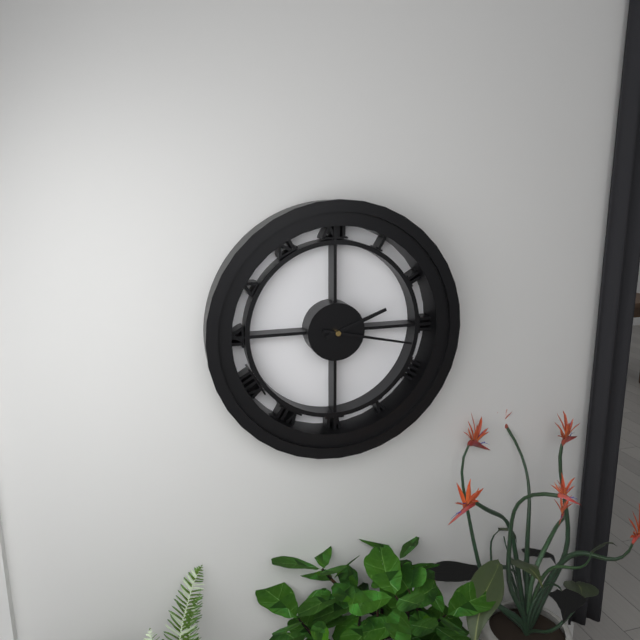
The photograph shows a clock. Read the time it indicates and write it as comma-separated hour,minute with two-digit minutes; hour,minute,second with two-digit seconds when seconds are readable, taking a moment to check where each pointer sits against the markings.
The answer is 2,17
